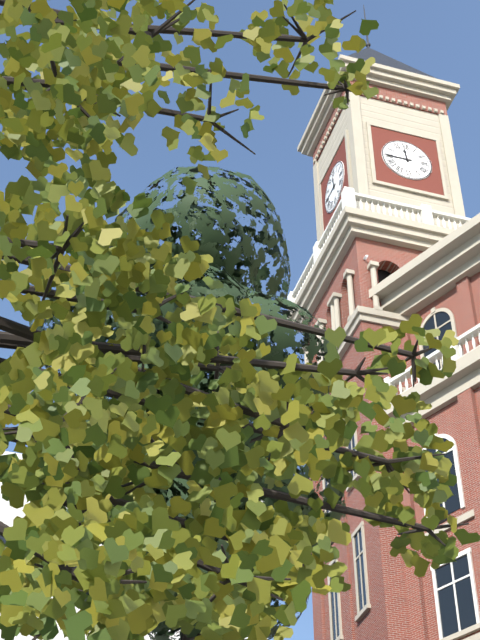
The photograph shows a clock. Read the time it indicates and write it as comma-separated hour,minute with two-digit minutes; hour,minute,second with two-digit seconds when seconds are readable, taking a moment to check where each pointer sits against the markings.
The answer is 11,45
